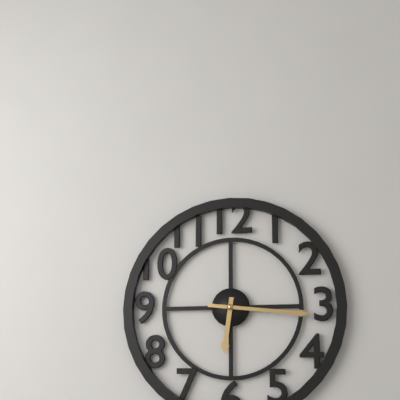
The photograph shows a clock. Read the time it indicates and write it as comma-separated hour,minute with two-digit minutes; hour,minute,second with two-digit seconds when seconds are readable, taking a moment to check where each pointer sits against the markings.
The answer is 6,16
